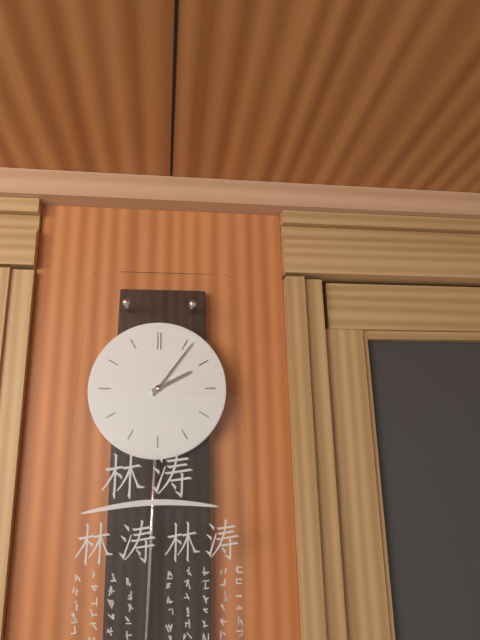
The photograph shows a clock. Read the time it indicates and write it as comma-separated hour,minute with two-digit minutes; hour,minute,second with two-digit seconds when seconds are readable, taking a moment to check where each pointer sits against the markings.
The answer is 2,06
